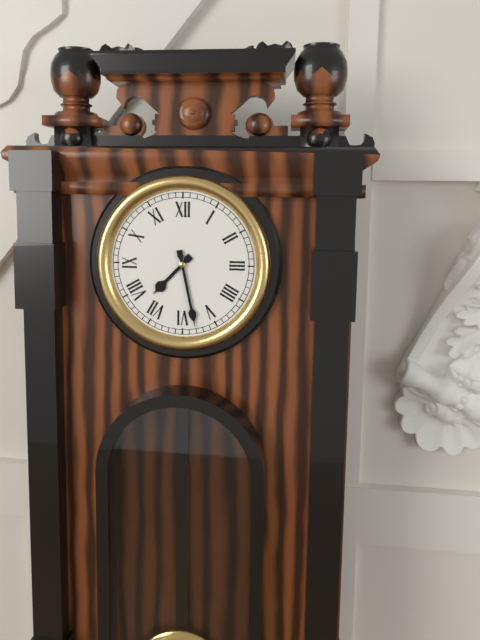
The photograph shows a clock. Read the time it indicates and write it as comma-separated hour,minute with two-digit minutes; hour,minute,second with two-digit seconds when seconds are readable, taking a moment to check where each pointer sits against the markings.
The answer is 7,28
